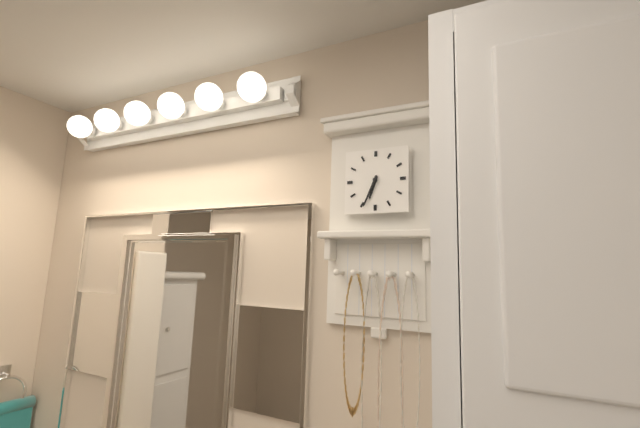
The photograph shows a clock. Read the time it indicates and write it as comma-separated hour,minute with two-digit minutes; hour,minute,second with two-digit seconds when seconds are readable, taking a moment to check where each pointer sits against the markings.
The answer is 6,34
